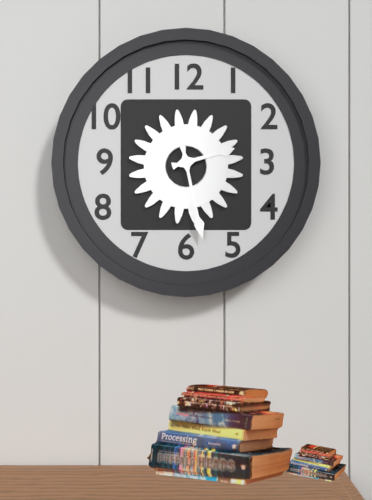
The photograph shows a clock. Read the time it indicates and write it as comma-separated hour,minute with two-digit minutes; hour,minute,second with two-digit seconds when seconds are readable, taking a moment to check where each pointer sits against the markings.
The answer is 2,28
